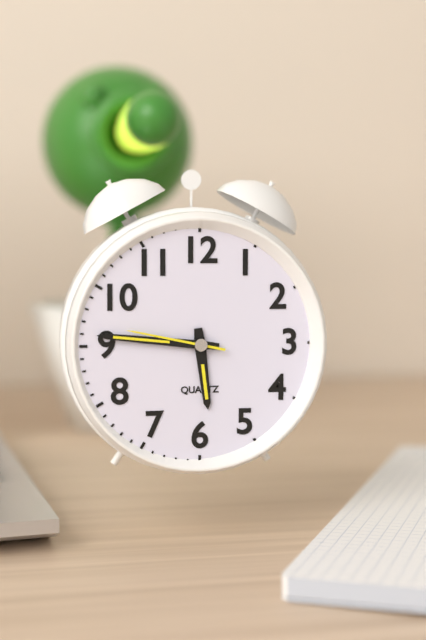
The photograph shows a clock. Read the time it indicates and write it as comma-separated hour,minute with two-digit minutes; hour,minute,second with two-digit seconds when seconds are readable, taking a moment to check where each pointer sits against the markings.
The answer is 5,46,47
